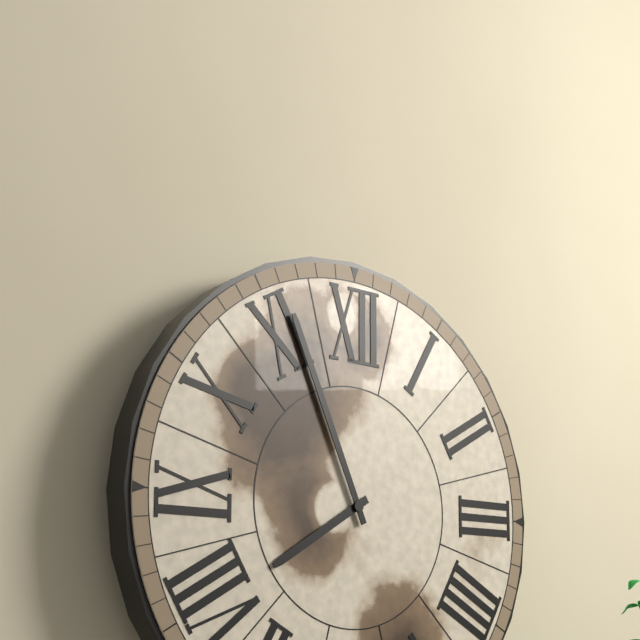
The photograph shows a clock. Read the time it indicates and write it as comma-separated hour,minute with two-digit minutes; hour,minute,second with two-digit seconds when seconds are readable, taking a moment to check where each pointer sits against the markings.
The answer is 7,56
